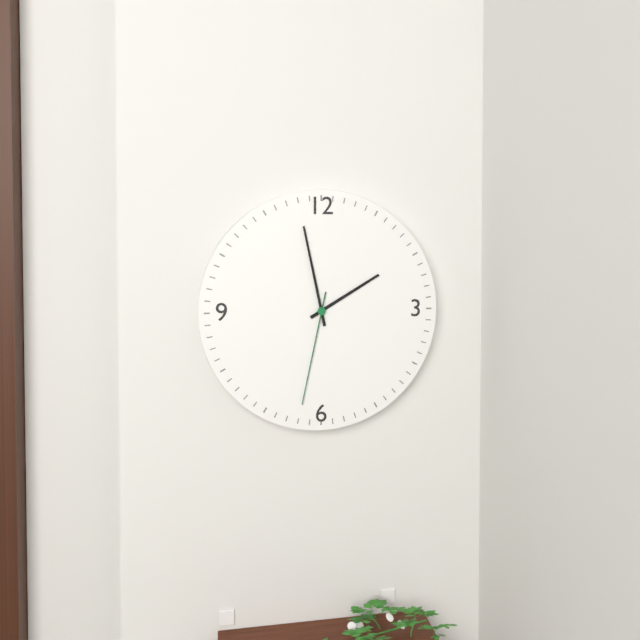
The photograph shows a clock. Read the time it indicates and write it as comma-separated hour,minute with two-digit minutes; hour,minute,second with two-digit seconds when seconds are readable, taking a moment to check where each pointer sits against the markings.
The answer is 1,58,32
